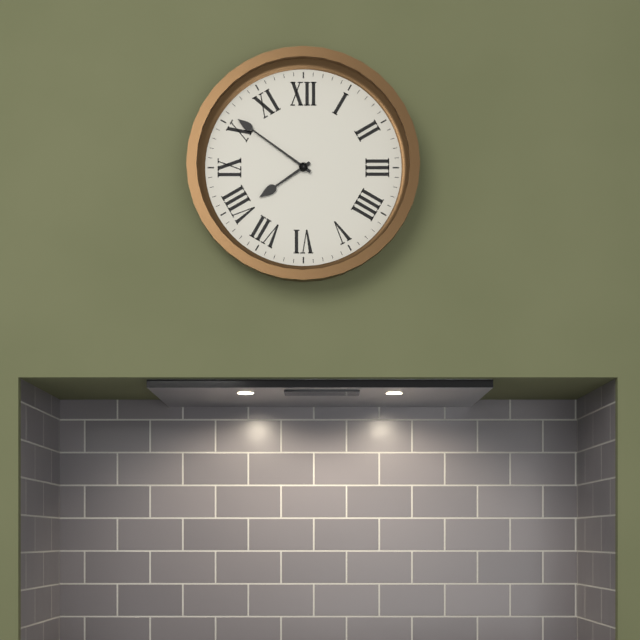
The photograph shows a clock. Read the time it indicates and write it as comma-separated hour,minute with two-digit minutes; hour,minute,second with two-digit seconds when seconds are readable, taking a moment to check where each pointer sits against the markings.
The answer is 7,51
